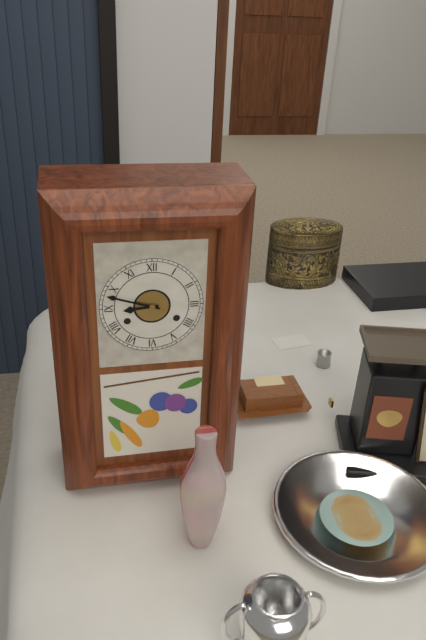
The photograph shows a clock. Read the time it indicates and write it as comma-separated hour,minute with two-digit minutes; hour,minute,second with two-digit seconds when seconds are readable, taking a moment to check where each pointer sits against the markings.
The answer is 8,48
